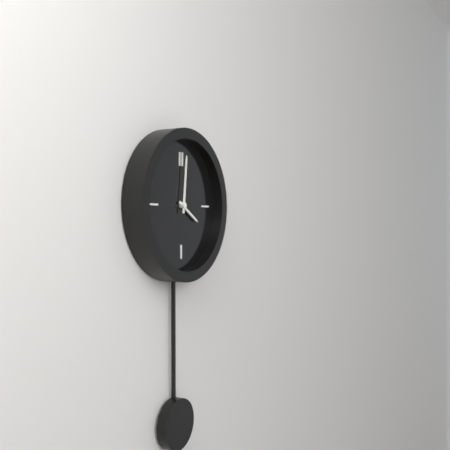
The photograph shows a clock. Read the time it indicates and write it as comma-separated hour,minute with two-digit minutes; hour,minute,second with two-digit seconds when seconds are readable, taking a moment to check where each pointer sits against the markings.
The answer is 4,01
